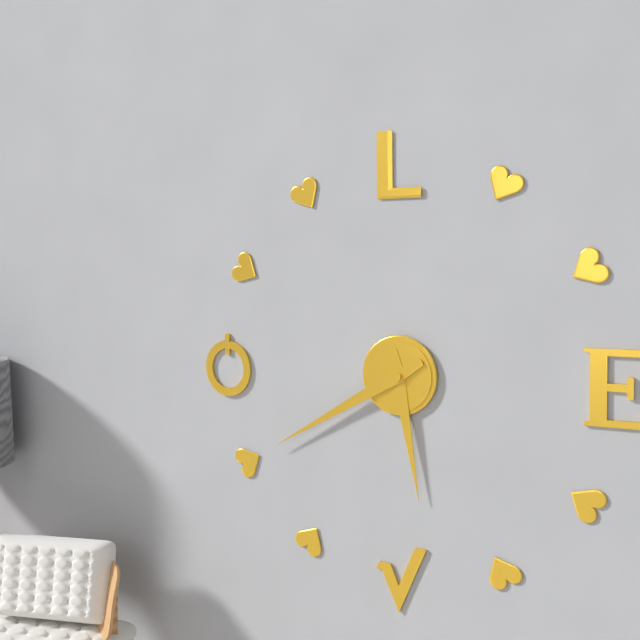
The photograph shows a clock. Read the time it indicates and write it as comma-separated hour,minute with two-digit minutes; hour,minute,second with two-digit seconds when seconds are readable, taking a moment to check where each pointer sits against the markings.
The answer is 5,40
